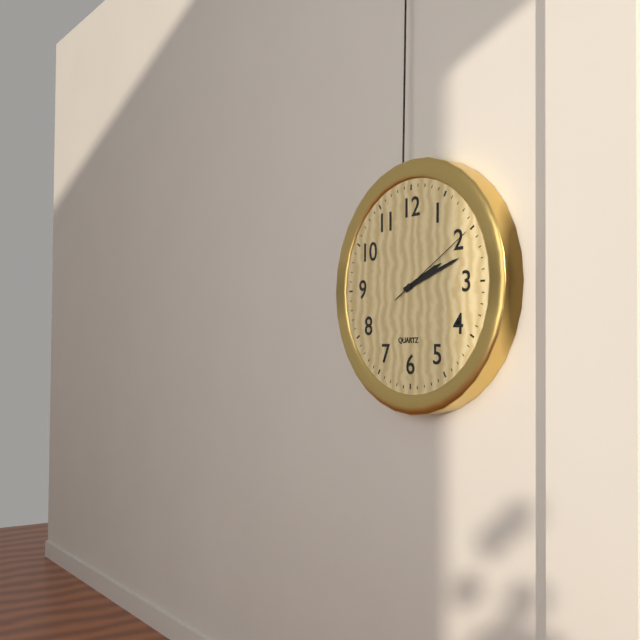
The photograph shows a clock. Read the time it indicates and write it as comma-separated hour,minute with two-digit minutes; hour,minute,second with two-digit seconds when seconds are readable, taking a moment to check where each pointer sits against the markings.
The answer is 2,12,10
